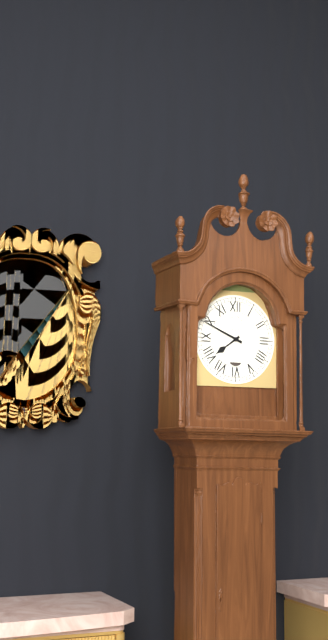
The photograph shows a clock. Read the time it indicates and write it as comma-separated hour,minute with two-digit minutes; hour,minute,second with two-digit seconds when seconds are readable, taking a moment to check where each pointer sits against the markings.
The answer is 7,49
